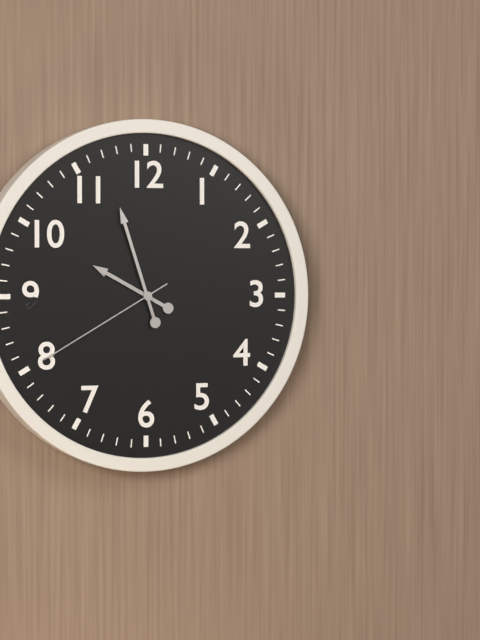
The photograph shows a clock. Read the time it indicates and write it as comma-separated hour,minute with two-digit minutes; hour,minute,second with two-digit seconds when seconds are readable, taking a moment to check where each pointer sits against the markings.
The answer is 9,57,40
